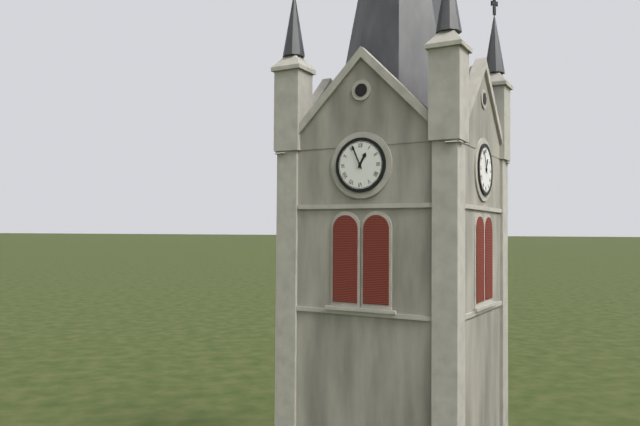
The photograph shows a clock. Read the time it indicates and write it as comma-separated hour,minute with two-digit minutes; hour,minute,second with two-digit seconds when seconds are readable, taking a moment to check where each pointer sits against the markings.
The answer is 12,56
